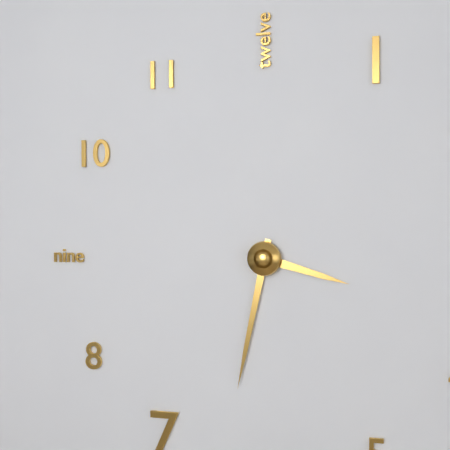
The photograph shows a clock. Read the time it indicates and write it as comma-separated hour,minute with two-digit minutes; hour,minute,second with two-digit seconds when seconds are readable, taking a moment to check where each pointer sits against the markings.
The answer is 3,32
